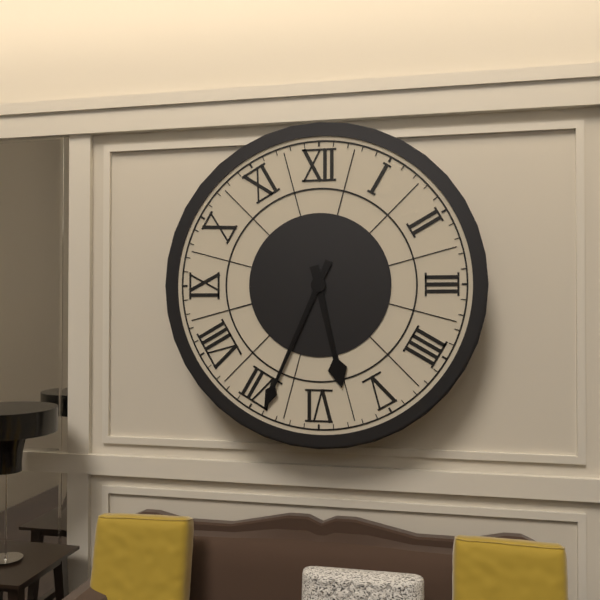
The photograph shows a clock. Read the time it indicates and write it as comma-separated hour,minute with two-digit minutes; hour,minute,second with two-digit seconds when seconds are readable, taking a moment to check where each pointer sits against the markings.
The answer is 5,34
